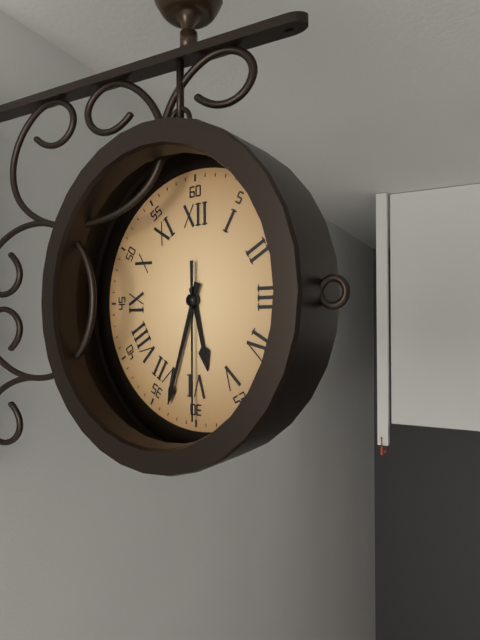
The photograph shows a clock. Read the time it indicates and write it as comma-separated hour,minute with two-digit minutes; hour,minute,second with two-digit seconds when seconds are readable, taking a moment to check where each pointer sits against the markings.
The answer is 5,33,30
